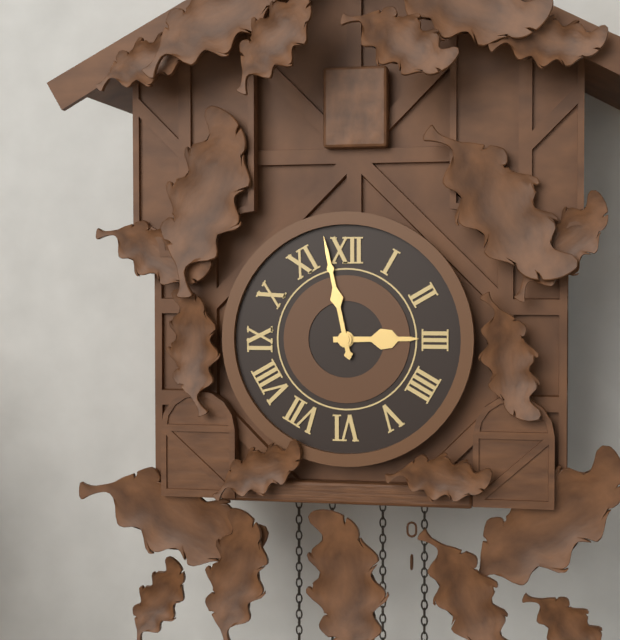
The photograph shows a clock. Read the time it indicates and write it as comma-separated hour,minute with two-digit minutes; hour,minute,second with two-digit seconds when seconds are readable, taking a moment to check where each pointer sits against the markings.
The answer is 2,58
